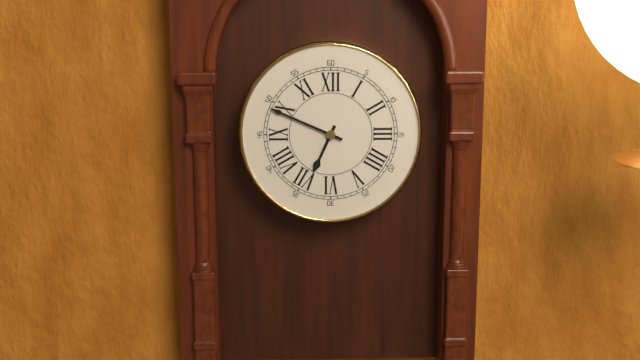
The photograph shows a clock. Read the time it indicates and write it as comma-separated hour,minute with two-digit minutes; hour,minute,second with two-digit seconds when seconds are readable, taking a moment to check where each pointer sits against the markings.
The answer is 6,49
